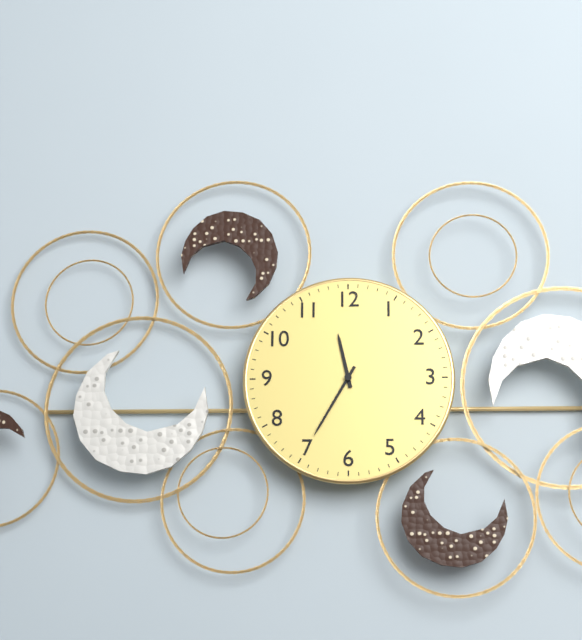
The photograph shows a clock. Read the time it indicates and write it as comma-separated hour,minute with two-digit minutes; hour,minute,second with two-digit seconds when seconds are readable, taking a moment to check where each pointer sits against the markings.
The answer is 11,35
